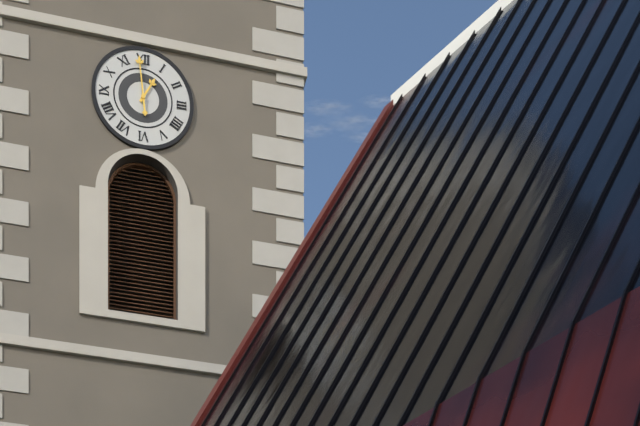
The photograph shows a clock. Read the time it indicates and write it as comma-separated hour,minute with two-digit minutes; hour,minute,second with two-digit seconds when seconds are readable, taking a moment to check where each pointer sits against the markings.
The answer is 12,59
